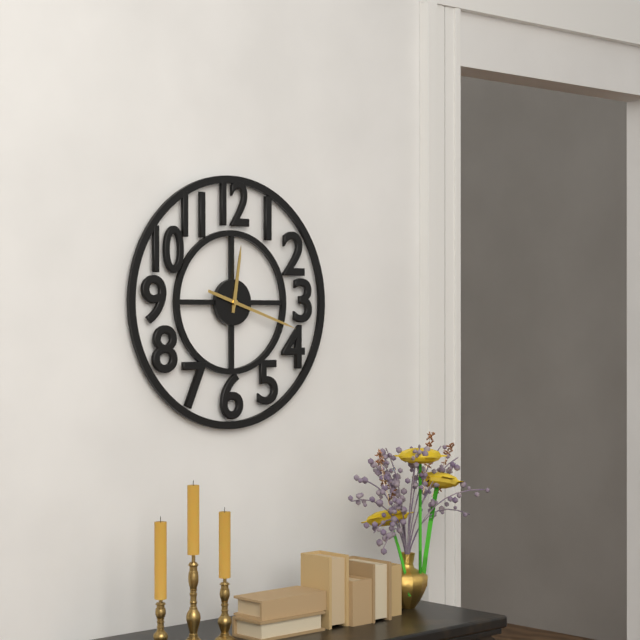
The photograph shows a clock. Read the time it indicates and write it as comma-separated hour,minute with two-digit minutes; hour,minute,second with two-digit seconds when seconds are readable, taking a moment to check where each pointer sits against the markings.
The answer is 12,18
